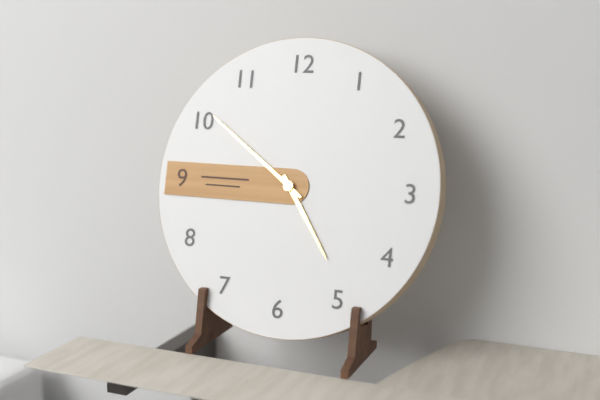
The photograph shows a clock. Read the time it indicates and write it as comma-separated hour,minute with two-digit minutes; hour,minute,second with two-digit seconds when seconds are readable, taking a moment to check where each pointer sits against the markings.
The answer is 4,51
